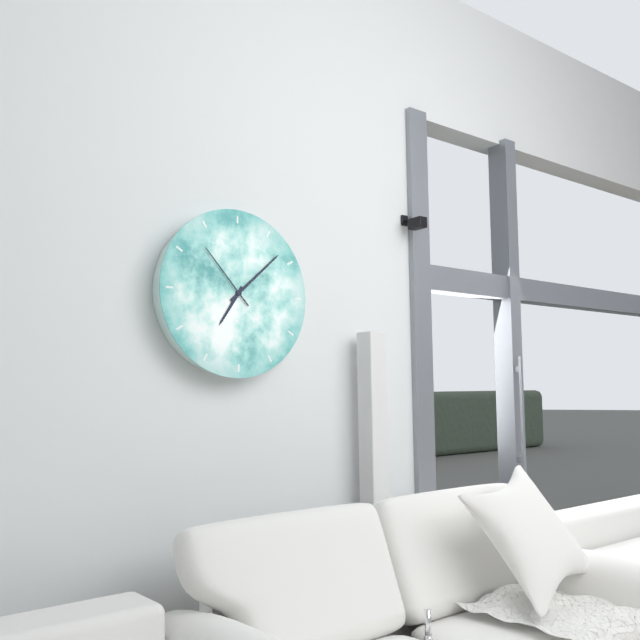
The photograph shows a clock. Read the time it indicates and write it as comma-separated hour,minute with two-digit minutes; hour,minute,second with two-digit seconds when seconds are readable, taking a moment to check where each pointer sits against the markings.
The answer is 7,08,53
